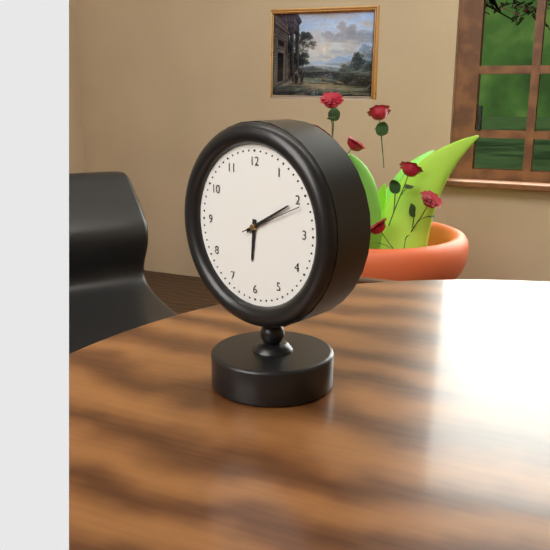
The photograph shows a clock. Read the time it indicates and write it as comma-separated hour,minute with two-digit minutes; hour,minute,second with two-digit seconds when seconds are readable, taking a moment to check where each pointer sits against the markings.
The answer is 6,10,11
